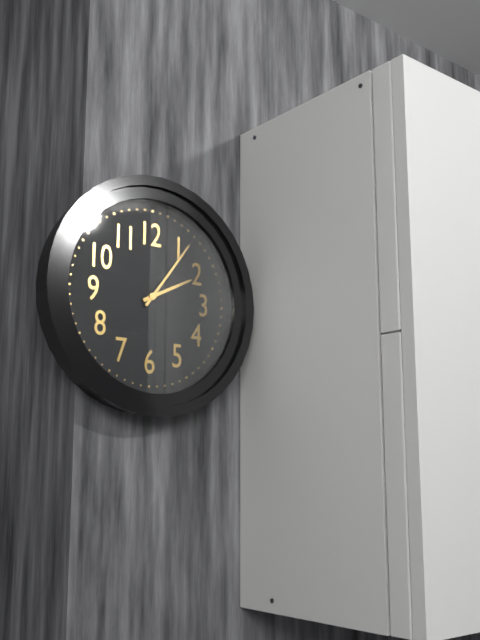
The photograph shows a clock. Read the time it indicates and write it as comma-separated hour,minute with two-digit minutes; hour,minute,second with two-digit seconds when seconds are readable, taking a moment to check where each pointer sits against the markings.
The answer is 2,06
